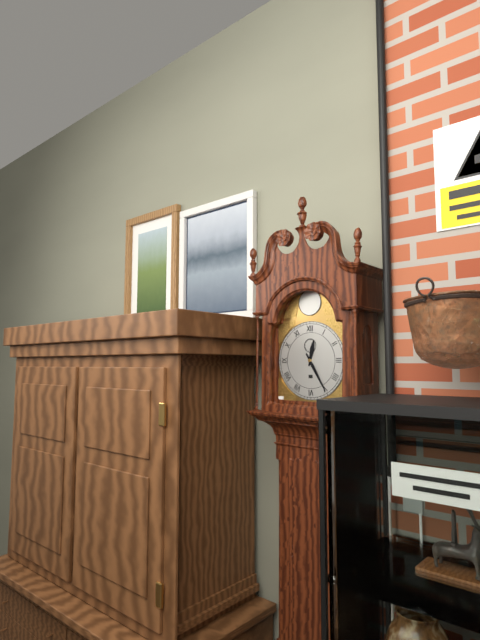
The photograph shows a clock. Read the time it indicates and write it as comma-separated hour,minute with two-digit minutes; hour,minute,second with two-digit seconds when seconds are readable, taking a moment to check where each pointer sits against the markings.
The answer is 12,25
